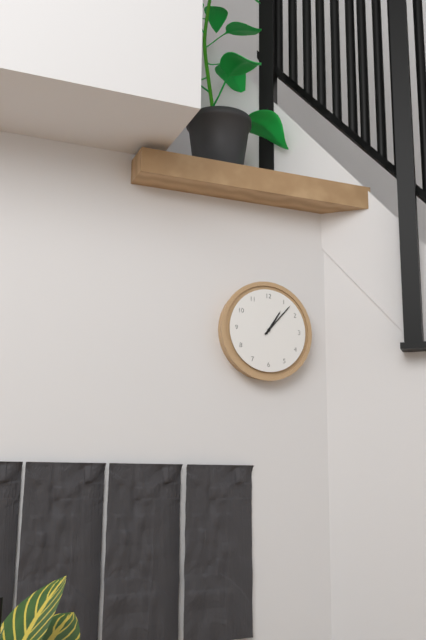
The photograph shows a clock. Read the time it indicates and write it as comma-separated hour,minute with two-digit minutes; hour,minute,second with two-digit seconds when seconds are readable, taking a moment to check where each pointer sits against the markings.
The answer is 1,07
